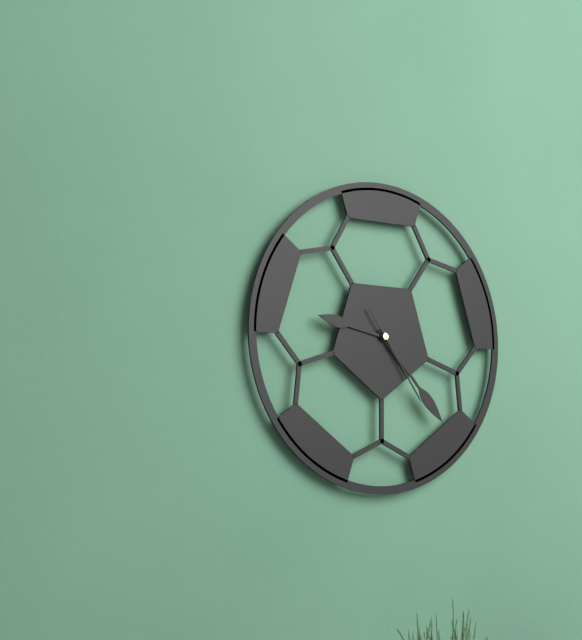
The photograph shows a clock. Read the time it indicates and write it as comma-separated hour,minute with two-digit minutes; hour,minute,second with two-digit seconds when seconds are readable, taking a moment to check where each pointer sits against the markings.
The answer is 9,23,24
